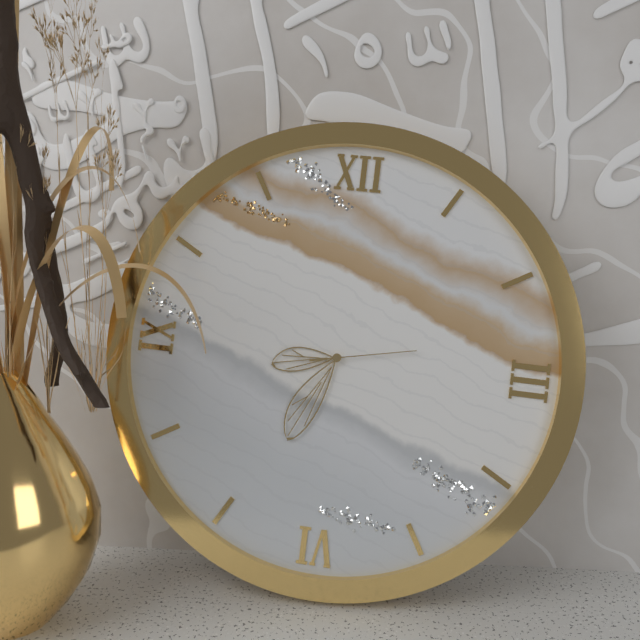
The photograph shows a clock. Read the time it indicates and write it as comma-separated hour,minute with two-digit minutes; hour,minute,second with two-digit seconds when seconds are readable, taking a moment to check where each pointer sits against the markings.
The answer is 8,34,13
